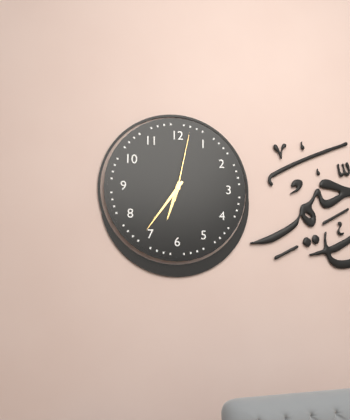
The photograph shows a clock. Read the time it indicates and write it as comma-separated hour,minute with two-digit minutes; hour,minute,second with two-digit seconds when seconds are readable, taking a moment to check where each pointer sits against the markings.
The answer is 6,36,02
